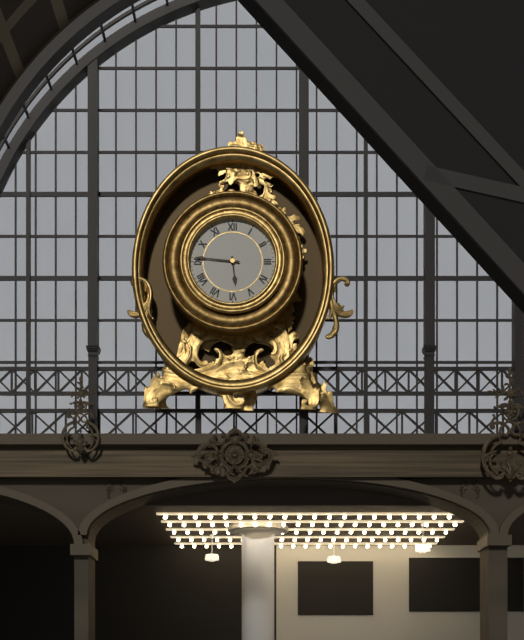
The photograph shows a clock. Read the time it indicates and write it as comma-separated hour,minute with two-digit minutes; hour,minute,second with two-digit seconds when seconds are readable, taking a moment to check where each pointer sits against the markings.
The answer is 5,46
